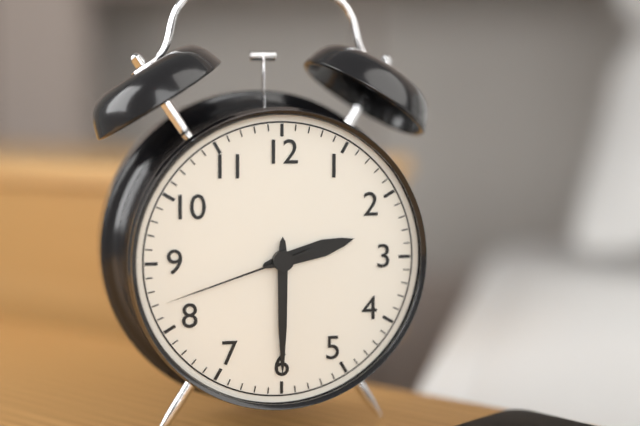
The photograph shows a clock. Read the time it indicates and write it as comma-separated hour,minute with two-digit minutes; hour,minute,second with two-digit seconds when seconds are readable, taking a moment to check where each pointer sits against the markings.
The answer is 2,30,42
